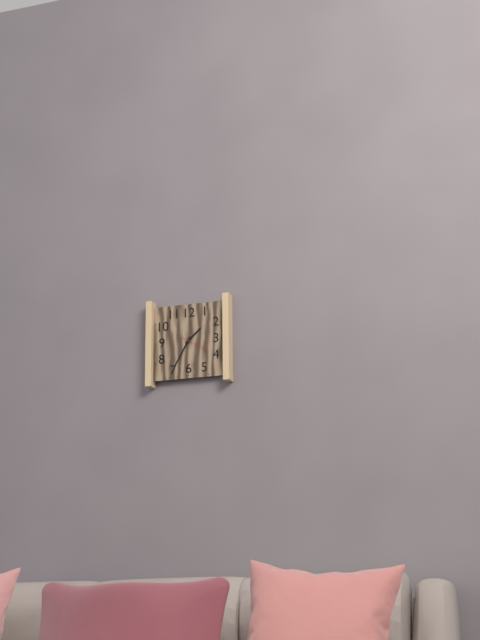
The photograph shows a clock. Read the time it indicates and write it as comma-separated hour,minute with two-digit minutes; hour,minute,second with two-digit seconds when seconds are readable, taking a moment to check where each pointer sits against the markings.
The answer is 1,35
